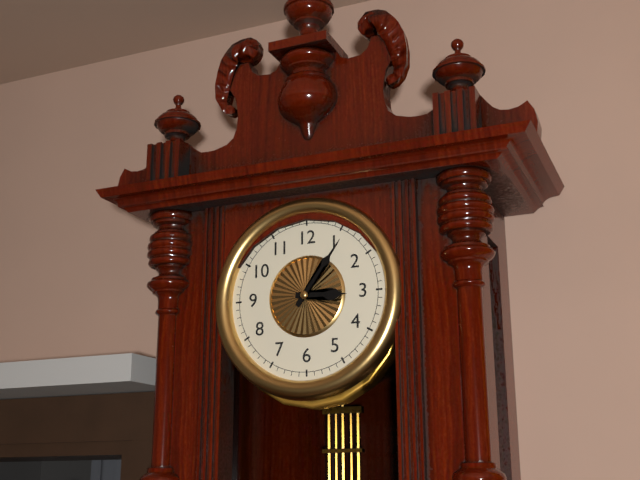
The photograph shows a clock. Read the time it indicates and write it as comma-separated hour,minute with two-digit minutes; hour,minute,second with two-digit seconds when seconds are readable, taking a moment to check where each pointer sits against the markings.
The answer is 3,06
